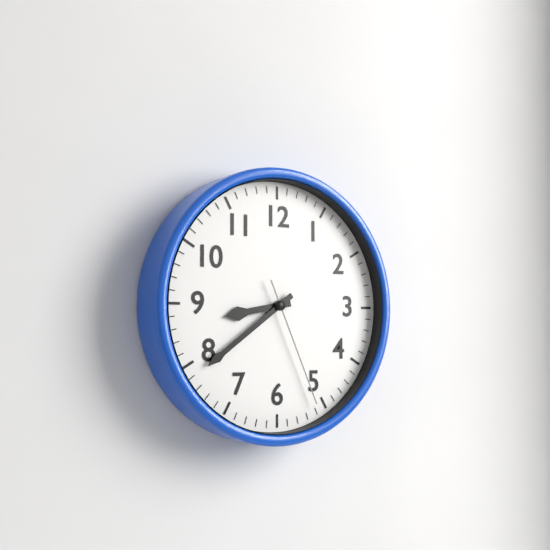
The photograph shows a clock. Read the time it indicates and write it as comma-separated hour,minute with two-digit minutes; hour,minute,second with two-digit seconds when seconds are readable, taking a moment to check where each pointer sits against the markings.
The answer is 8,39,26
